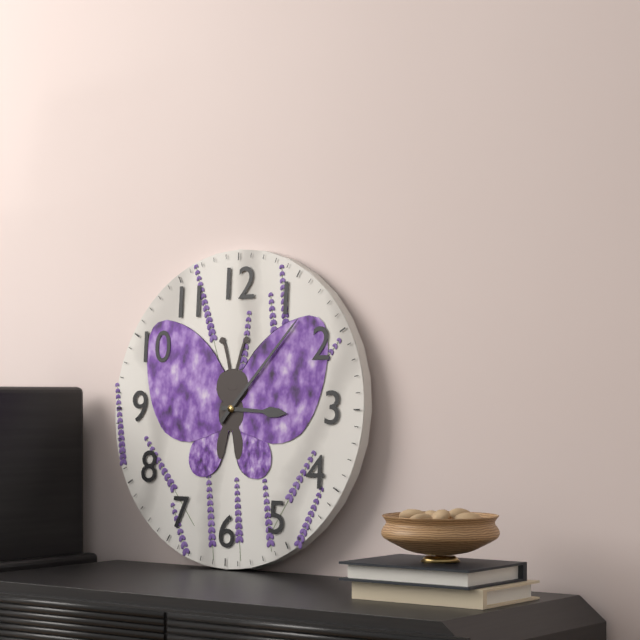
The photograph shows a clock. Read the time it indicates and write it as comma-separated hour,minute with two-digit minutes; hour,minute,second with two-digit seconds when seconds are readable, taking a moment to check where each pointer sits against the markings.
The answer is 3,07
